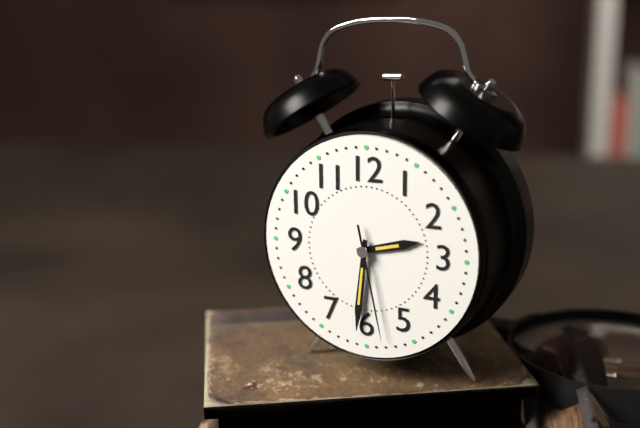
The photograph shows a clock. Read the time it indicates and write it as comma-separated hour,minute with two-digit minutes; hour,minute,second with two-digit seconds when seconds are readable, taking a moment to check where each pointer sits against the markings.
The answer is 2,31,28
